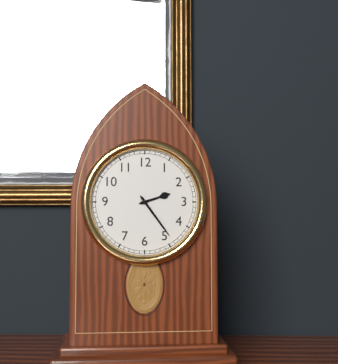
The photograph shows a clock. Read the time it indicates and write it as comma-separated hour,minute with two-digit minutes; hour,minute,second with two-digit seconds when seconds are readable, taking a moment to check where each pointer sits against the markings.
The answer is 2,24
